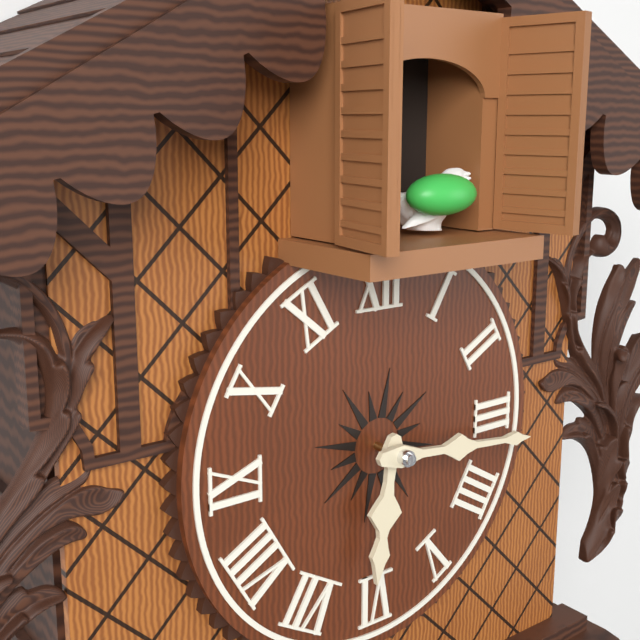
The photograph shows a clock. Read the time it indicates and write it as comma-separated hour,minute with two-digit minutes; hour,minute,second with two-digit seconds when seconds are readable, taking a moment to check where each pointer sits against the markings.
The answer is 6,16
